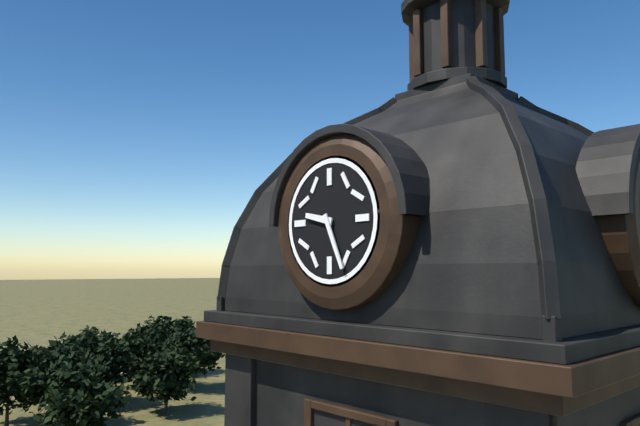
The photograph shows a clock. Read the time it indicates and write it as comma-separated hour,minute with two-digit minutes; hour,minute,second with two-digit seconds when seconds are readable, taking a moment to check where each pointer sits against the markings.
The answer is 9,26
